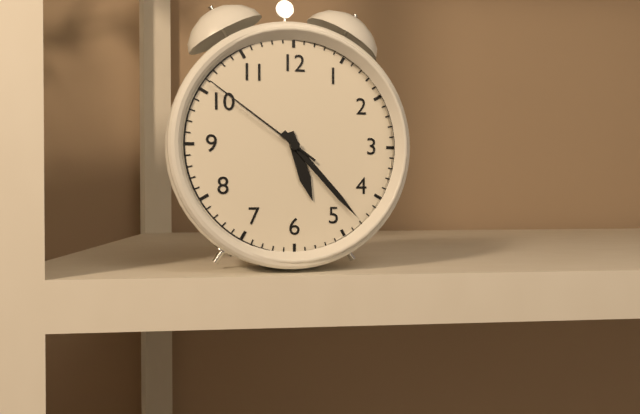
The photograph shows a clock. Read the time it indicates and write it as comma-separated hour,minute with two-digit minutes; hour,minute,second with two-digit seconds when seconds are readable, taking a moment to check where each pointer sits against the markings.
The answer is 5,23,51
